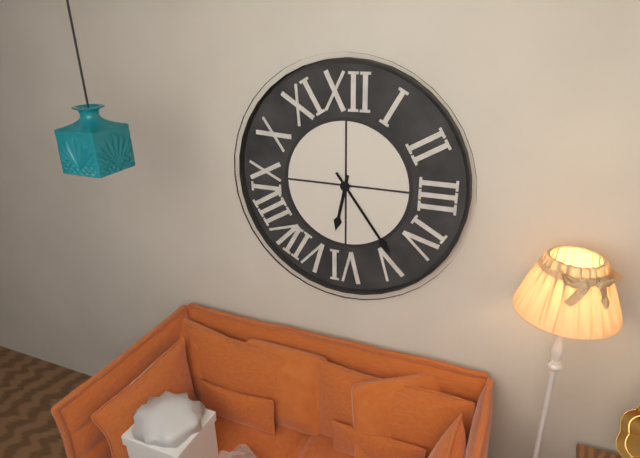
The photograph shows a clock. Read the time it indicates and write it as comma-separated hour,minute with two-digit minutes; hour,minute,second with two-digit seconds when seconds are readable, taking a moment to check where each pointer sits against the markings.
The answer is 6,24
